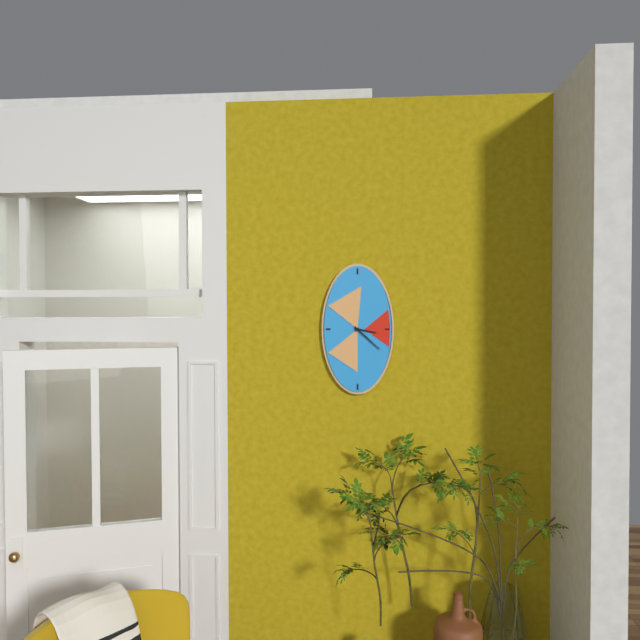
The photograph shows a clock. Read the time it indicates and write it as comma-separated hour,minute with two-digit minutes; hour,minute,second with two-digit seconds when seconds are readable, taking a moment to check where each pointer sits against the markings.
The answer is 3,22
